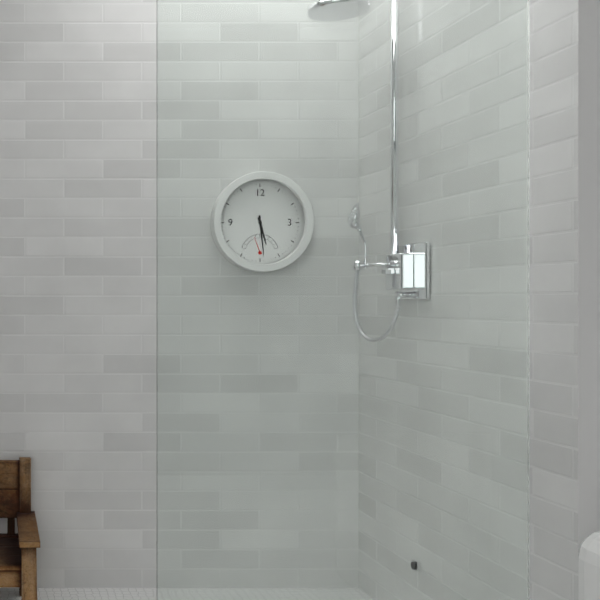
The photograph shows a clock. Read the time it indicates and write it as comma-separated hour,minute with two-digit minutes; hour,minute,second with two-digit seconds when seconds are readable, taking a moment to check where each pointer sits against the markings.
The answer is 5,29
